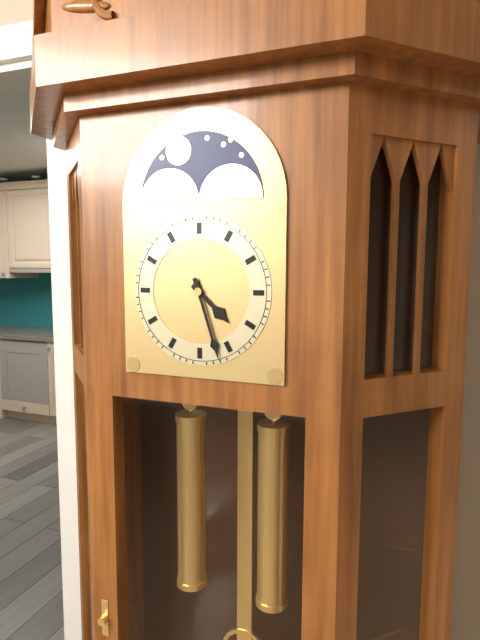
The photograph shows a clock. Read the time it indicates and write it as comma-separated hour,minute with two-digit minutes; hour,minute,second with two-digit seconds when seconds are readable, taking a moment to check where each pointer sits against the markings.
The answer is 4,27
